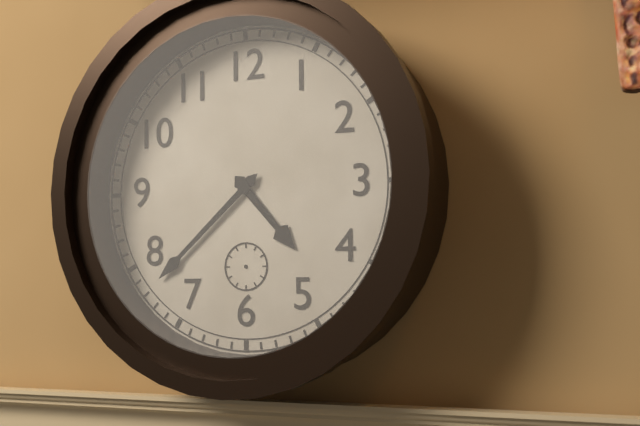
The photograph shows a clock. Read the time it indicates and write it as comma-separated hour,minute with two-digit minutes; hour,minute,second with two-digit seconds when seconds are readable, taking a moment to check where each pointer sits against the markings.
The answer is 4,38
